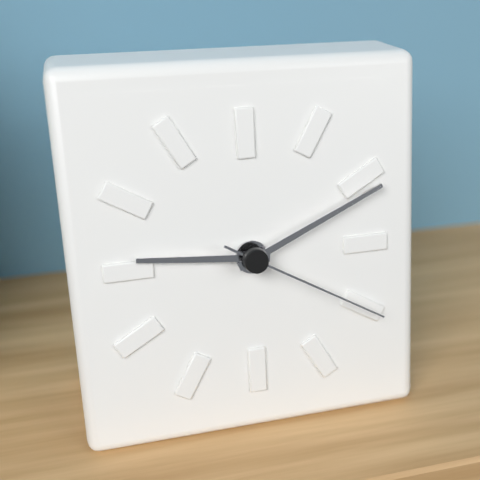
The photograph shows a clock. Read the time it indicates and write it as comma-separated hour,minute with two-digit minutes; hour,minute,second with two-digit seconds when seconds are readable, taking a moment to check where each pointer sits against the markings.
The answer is 9,11,20
